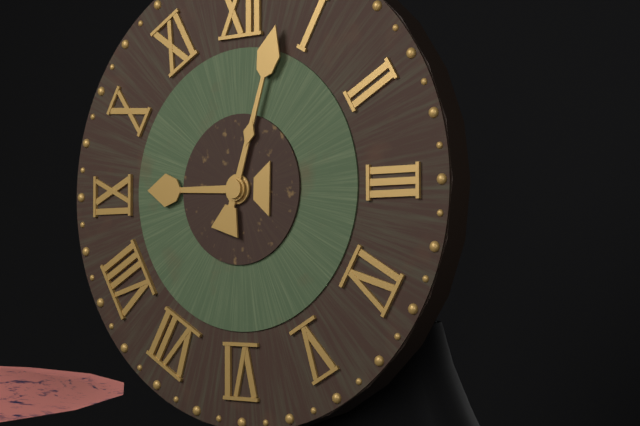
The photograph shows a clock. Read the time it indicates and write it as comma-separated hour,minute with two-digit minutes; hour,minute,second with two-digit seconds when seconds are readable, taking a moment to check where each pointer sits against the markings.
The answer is 9,03
